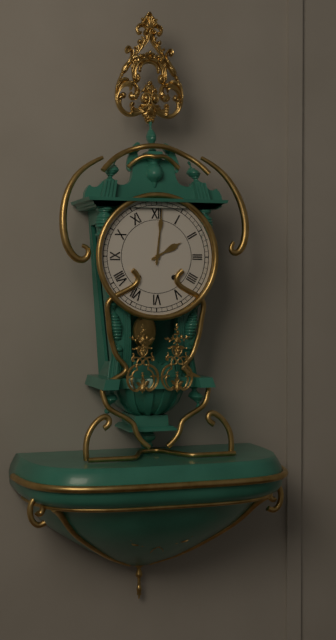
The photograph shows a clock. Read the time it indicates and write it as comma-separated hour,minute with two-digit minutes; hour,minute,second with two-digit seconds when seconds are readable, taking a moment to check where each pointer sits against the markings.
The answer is 2,01
